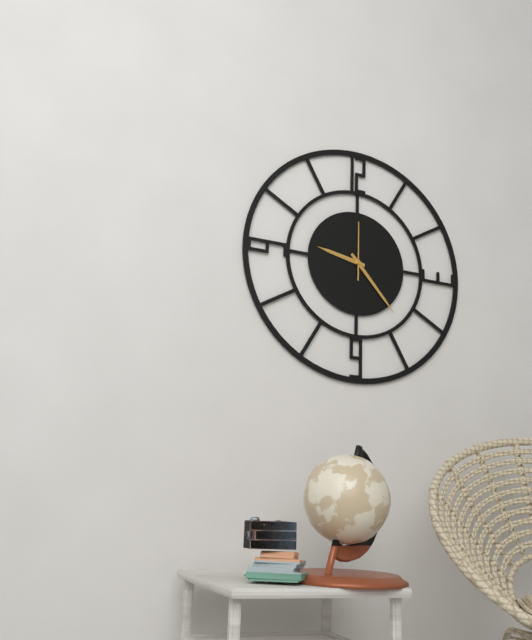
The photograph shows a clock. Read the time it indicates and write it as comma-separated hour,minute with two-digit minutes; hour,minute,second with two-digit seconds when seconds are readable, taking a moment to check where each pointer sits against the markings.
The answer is 9,23,00
